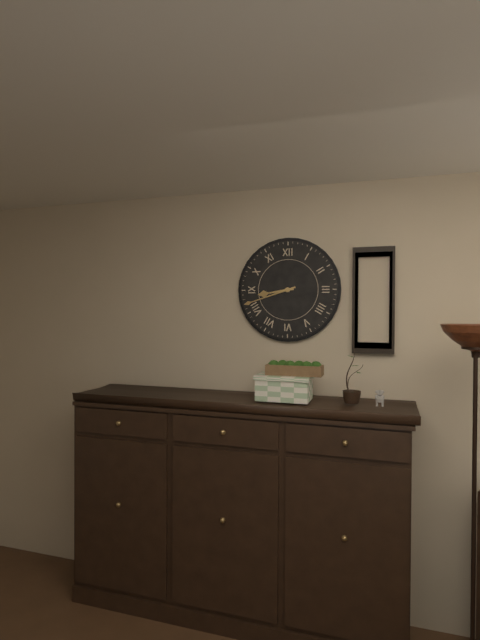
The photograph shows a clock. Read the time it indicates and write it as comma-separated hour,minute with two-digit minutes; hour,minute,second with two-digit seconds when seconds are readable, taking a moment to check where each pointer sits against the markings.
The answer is 8,42
